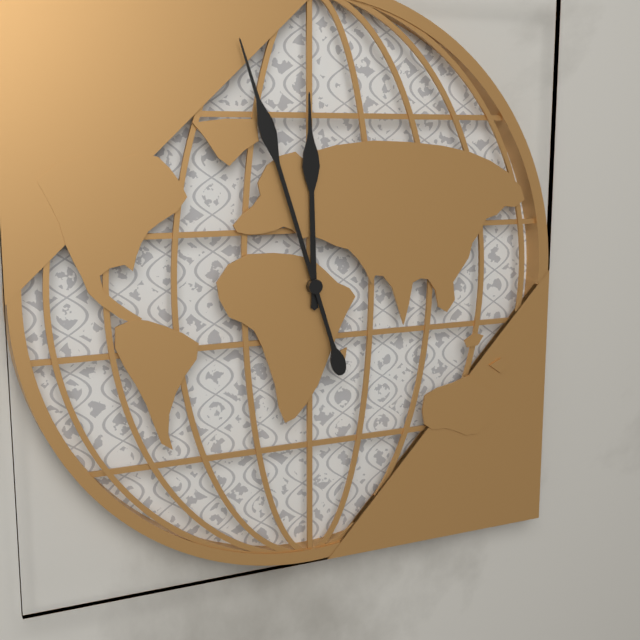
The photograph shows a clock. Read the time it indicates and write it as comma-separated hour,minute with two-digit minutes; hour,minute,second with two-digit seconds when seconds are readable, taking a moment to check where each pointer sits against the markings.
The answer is 11,57
